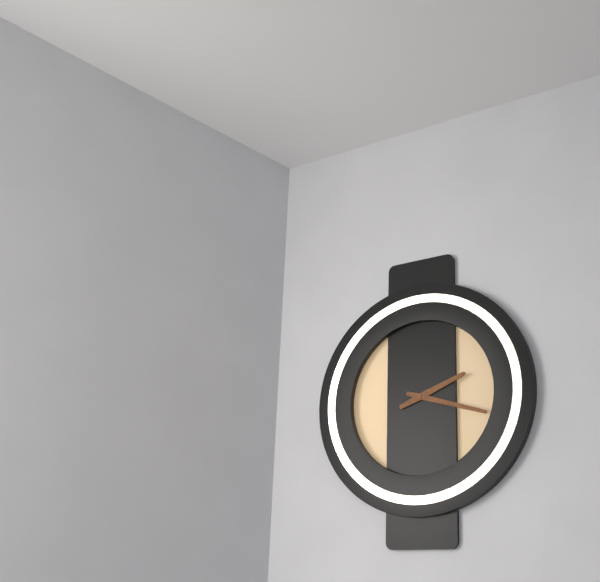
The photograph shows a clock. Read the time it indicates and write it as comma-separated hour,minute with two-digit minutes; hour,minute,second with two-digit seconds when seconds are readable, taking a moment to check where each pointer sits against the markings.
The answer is 2,18
